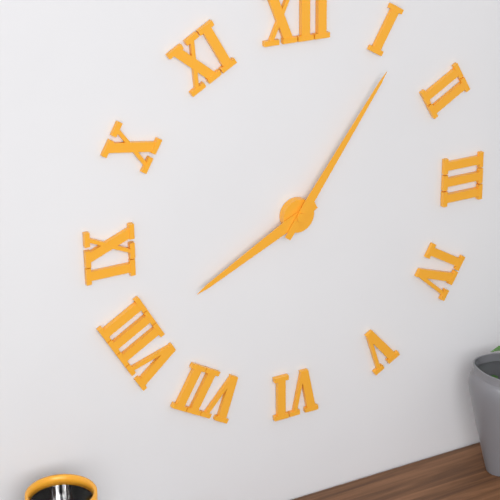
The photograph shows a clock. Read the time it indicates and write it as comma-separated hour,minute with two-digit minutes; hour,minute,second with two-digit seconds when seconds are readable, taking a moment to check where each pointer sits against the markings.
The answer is 8,06
